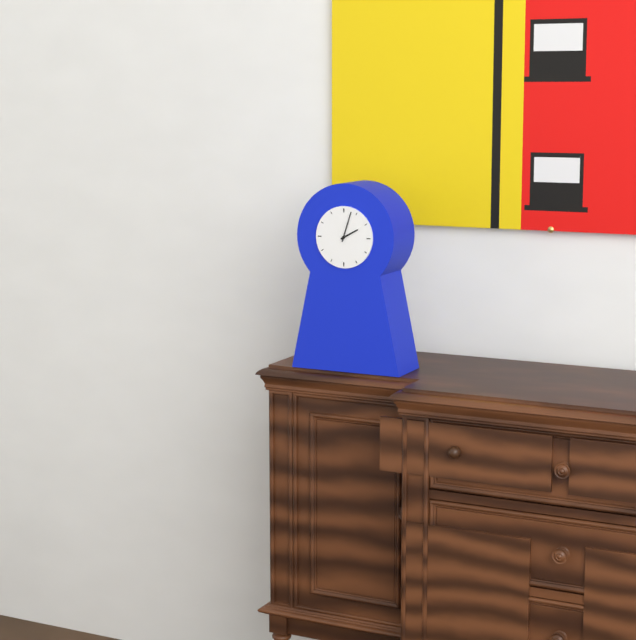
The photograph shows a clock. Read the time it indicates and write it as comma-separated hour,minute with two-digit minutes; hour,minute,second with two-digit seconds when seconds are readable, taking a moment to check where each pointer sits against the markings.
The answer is 2,03
